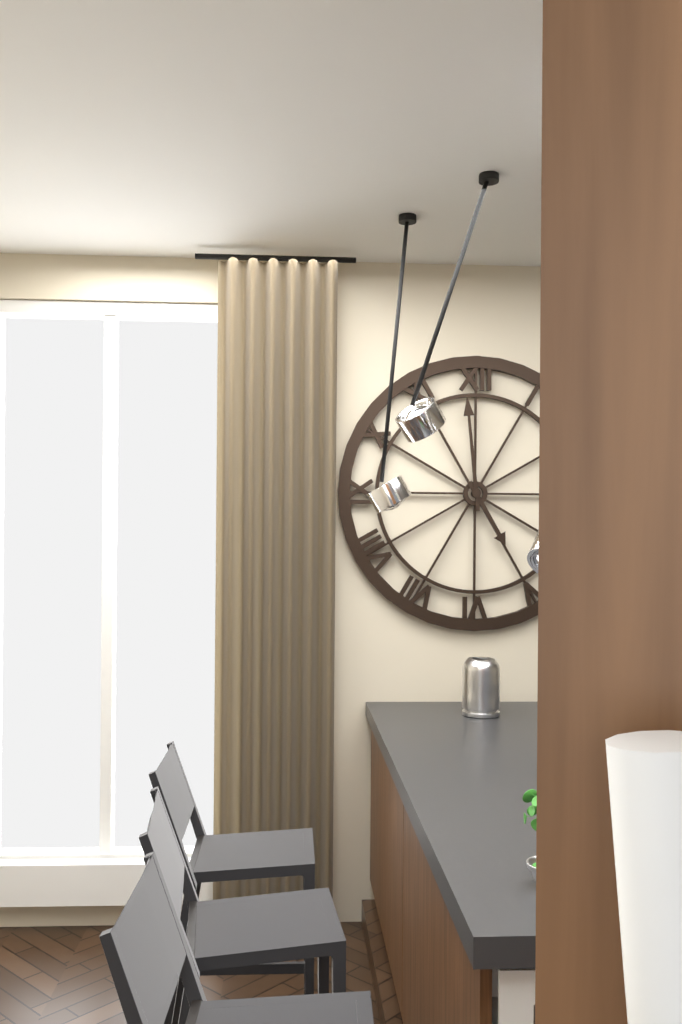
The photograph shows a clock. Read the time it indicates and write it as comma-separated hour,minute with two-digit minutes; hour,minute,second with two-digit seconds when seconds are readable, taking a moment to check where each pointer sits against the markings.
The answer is 4,59
